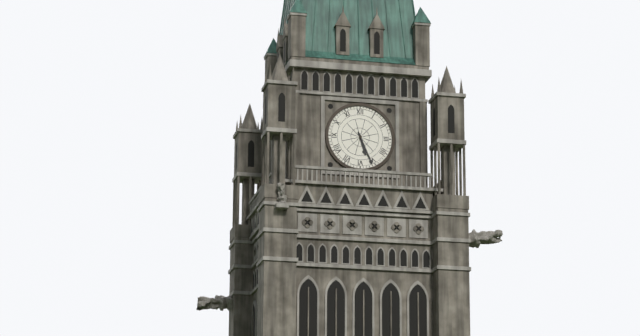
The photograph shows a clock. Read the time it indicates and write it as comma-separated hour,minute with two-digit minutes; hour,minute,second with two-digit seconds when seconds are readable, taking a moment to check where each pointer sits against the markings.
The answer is 5,26
